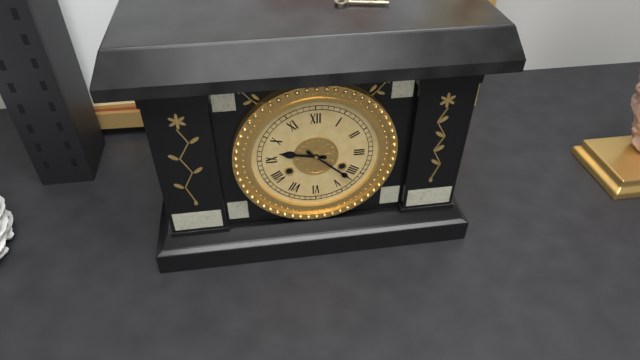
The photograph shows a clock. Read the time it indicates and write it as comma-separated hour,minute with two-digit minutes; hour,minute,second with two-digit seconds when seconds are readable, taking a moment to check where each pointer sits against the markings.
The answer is 9,22
